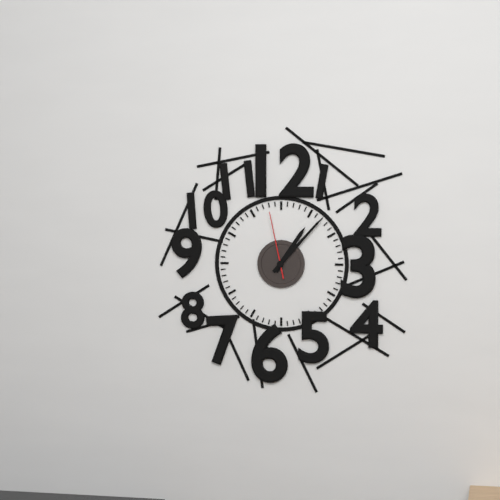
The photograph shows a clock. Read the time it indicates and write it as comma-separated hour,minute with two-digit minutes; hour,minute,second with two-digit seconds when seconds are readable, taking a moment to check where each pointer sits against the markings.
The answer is 1,07,58
